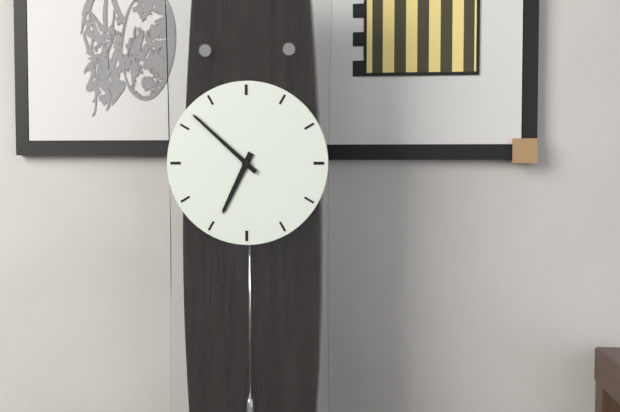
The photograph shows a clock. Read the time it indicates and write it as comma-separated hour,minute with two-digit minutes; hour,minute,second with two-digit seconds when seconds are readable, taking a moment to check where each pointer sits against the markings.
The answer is 6,52
